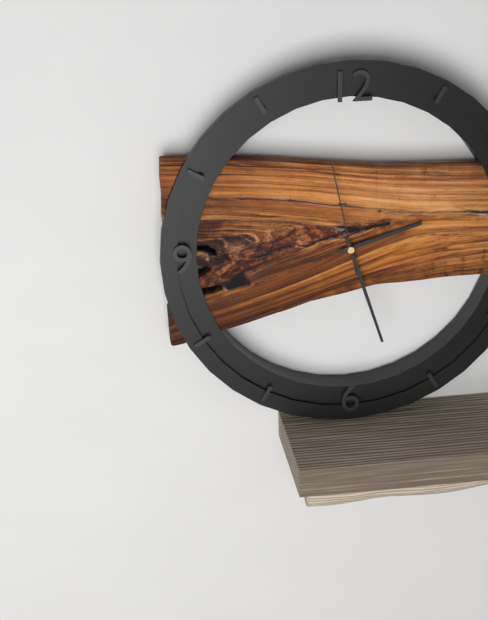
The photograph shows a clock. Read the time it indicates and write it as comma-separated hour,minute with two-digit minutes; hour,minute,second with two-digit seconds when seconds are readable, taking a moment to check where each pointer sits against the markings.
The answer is 2,27,58
